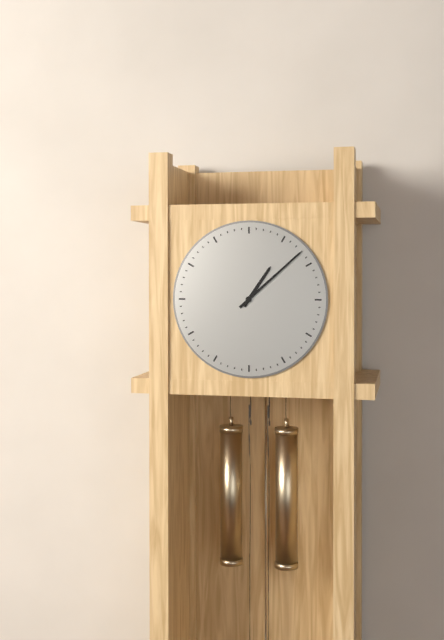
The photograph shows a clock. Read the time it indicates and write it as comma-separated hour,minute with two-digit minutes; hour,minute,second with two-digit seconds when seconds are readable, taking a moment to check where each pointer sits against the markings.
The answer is 1,08
